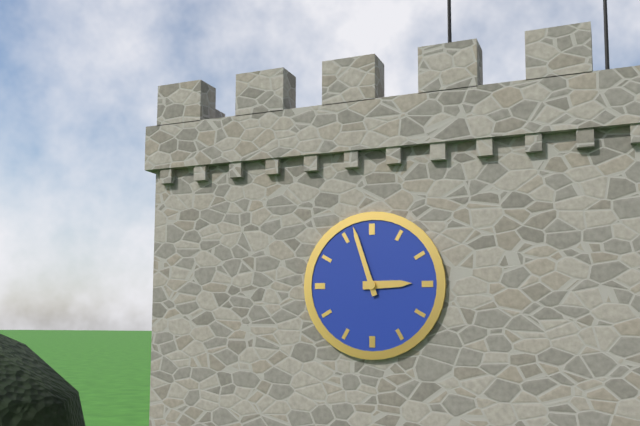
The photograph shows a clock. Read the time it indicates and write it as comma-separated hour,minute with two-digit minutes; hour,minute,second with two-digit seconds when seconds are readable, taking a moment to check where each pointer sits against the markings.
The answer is 2,57
